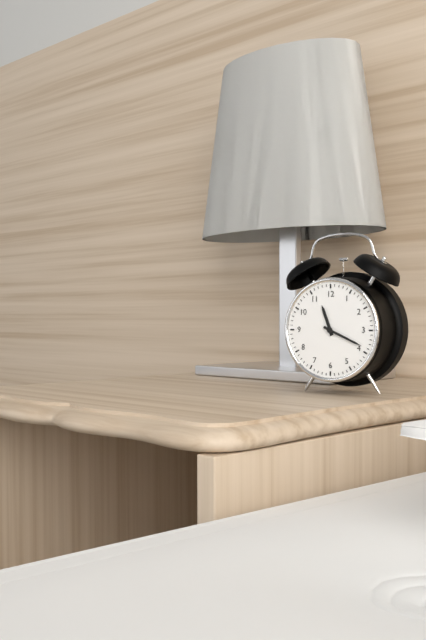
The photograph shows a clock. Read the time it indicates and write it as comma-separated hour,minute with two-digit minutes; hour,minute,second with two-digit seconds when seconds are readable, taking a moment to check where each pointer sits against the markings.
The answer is 11,19
